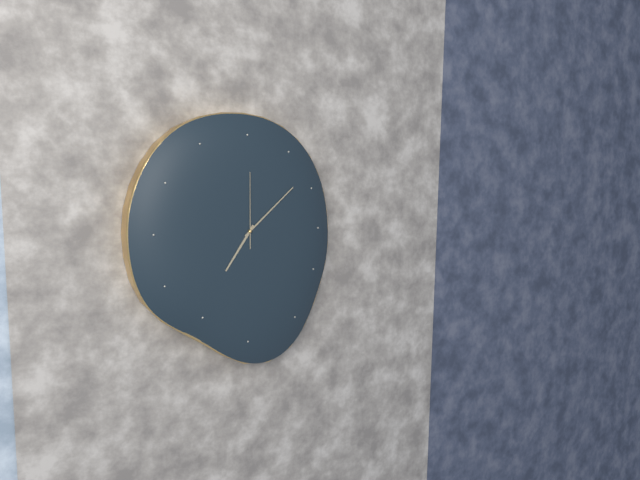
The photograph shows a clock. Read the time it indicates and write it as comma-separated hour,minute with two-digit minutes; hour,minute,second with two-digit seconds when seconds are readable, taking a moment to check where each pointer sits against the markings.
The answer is 7,08,00
